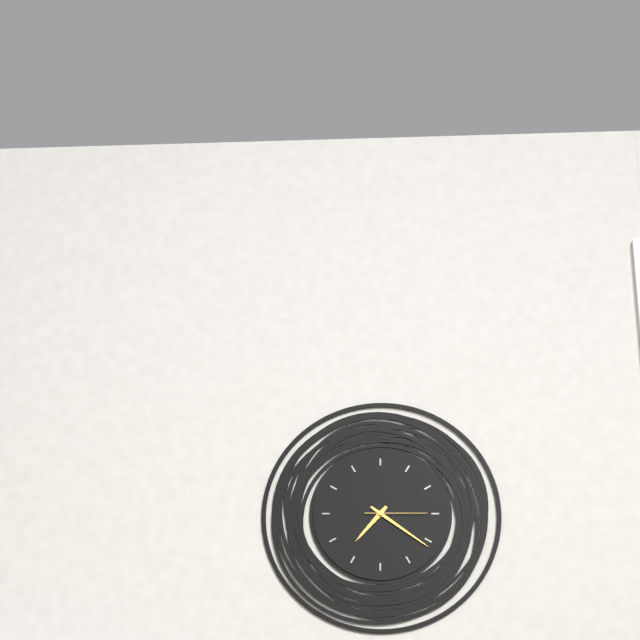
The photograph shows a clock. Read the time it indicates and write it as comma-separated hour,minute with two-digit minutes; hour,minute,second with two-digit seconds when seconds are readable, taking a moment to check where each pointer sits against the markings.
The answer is 7,21,15
